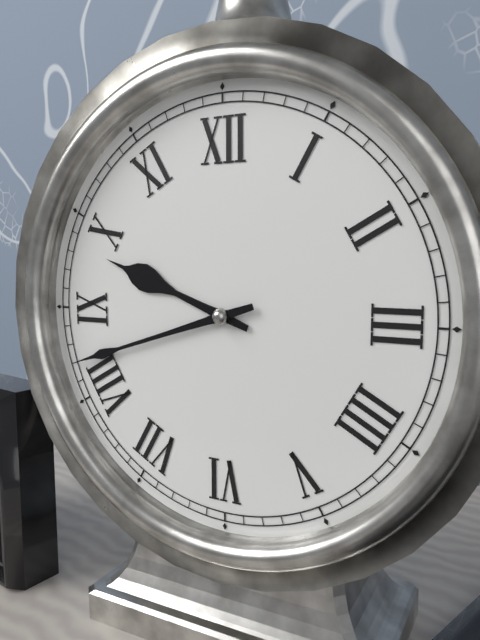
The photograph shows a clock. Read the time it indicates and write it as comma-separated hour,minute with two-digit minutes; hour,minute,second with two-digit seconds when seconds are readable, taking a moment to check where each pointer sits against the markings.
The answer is 9,42
